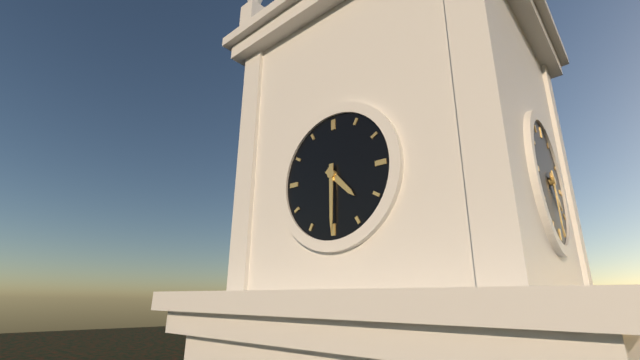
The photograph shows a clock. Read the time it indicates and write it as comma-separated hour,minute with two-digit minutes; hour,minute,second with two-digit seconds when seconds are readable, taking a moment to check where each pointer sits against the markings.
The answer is 4,30
